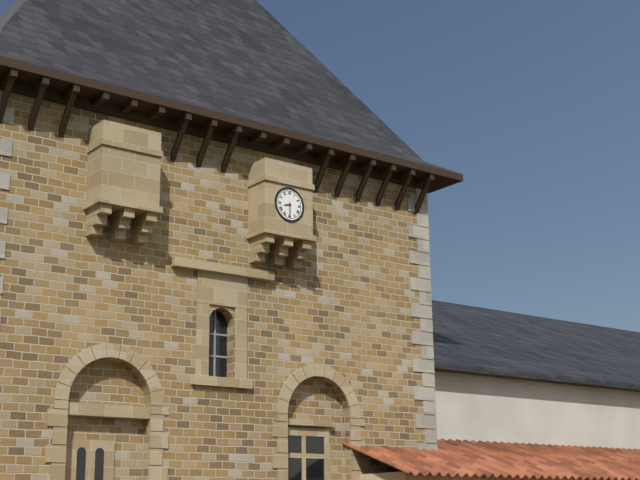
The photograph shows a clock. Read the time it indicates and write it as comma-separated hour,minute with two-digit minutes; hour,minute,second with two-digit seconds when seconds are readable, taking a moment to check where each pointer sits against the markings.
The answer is 8,30
